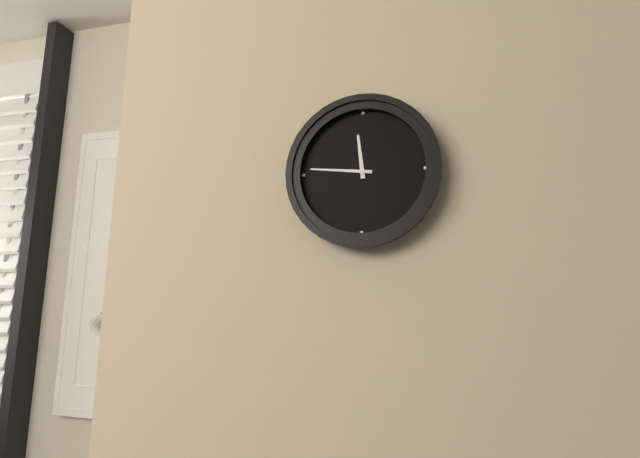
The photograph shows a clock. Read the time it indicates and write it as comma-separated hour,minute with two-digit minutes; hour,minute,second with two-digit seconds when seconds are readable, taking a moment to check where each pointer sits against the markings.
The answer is 11,46
